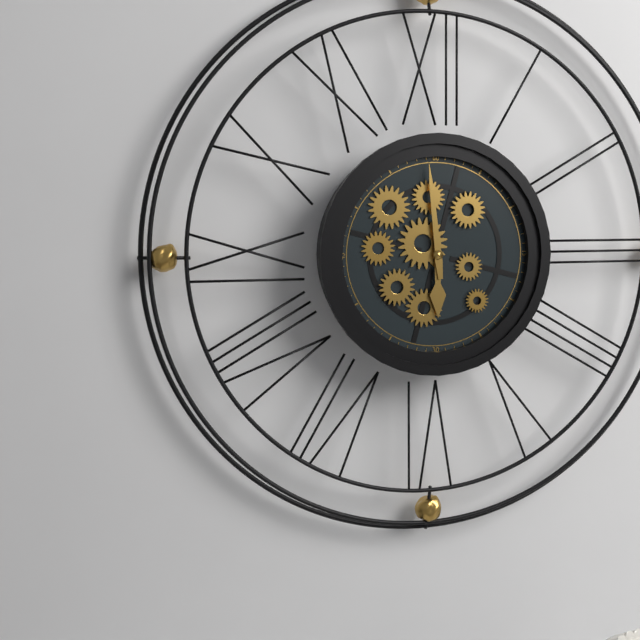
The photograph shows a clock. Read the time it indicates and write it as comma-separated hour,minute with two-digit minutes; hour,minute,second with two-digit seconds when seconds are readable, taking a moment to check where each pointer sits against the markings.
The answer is 5,59
